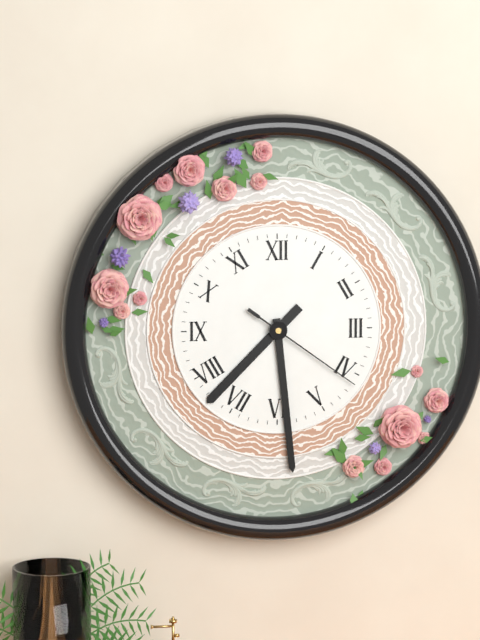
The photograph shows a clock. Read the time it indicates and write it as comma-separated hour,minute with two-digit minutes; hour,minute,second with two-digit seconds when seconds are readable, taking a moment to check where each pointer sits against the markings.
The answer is 7,29,21
